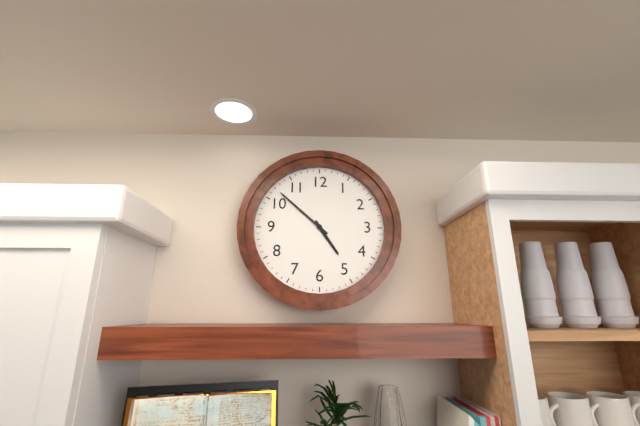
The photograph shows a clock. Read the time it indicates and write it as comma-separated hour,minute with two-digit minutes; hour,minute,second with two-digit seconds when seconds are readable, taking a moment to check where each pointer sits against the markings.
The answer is 4,52
